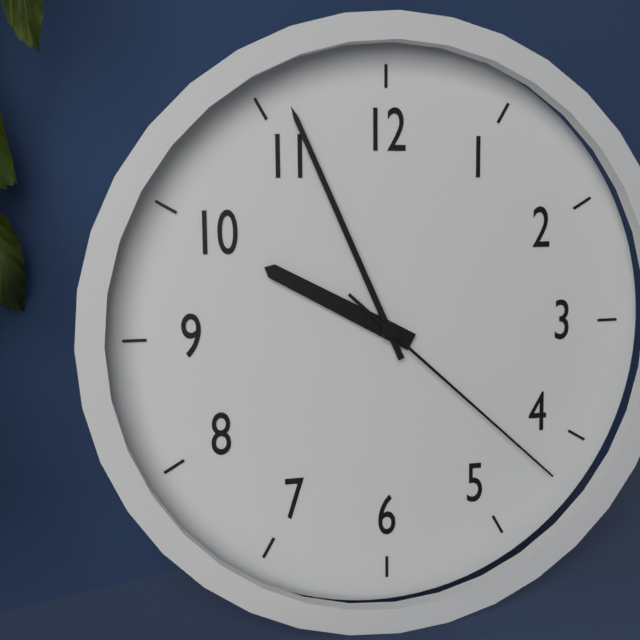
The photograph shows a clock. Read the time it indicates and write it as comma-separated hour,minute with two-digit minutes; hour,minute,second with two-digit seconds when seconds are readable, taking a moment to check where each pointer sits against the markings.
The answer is 9,56,22
